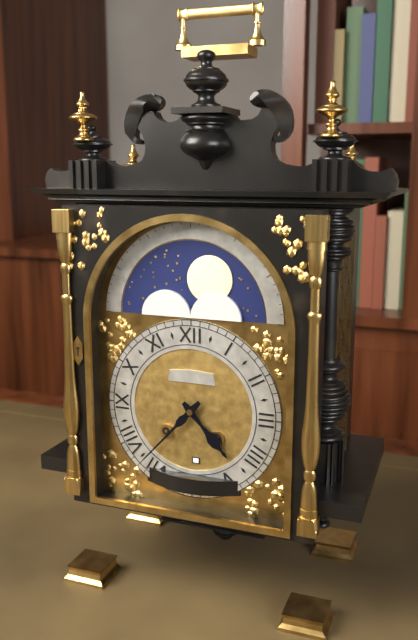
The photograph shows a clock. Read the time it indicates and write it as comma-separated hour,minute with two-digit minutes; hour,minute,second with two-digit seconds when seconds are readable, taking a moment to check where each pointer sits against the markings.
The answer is 4,37
